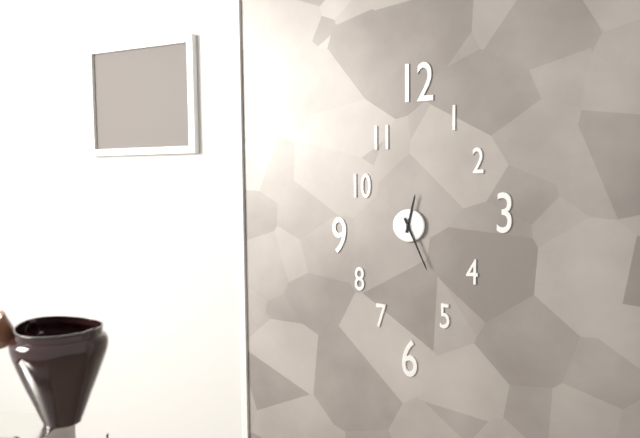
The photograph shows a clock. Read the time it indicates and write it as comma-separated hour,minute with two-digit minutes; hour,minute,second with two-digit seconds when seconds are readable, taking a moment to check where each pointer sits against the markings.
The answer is 12,26
